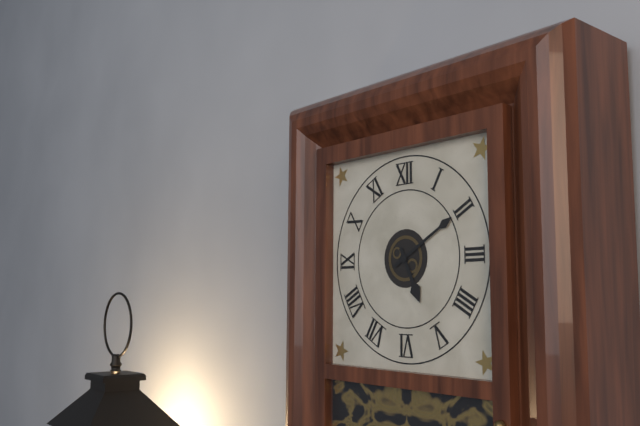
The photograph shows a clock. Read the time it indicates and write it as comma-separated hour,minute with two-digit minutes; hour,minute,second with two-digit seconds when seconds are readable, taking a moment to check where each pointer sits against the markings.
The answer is 5,10
